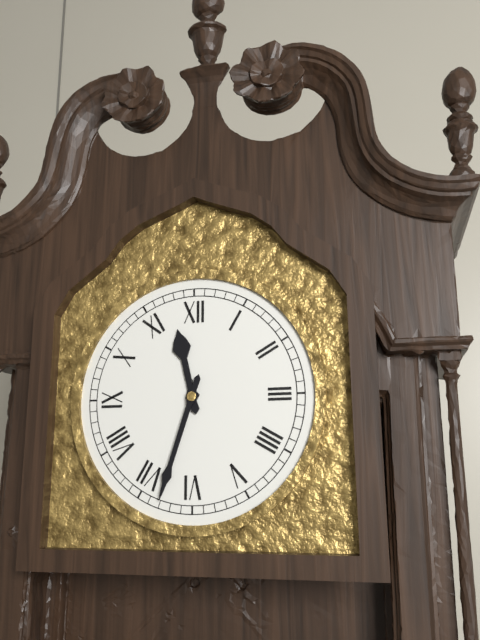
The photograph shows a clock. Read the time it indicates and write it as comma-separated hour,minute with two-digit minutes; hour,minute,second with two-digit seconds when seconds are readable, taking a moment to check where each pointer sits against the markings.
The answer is 11,33
